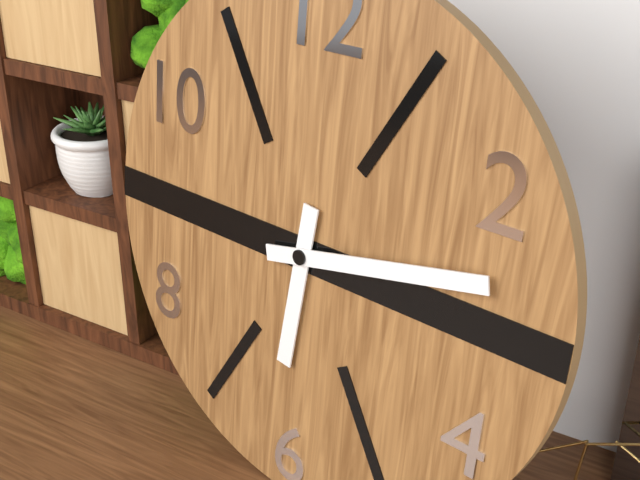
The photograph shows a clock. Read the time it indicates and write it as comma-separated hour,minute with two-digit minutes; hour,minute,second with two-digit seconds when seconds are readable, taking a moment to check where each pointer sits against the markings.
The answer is 6,13
